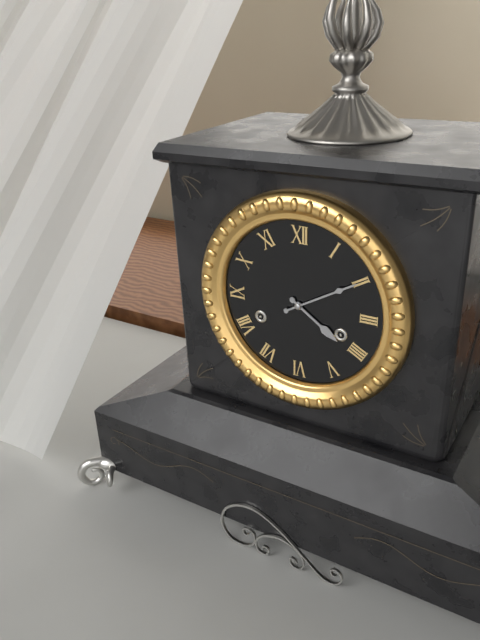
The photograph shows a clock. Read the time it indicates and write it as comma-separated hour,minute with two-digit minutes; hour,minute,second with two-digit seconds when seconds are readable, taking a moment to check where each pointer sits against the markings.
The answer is 4,10
